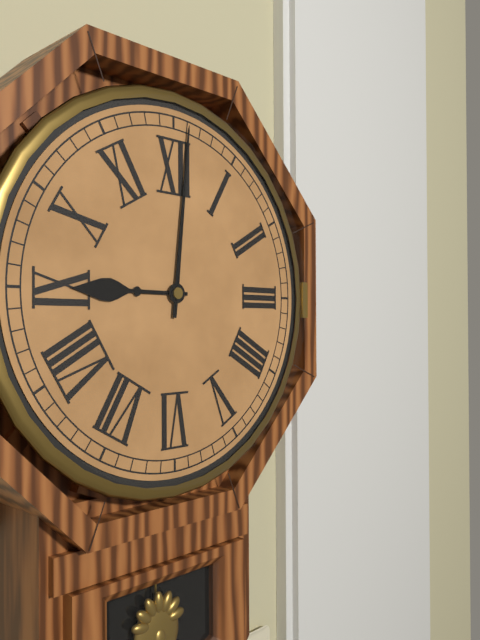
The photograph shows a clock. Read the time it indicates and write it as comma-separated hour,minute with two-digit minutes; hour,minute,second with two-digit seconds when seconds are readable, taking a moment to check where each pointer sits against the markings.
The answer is 9,01
